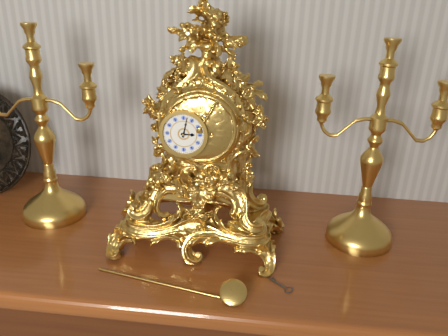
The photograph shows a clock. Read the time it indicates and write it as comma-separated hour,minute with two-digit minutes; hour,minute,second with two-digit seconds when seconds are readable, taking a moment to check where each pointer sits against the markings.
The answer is 3,02
